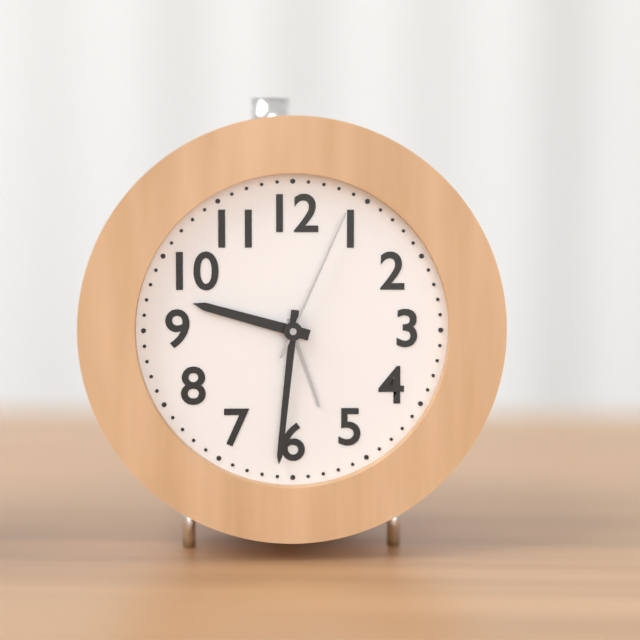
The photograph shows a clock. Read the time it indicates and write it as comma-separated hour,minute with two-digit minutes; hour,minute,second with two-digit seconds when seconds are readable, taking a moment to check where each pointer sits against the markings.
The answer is 9,31,04
